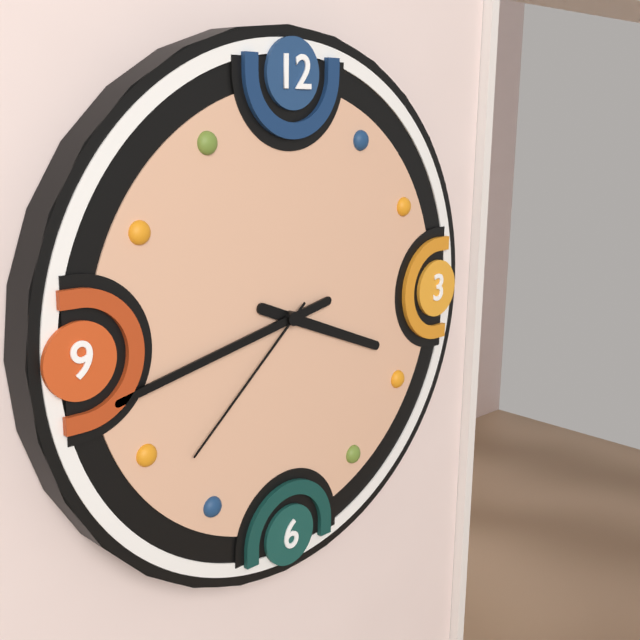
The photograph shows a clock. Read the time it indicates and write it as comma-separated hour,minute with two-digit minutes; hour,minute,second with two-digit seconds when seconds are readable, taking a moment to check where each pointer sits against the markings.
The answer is 3,43,38
